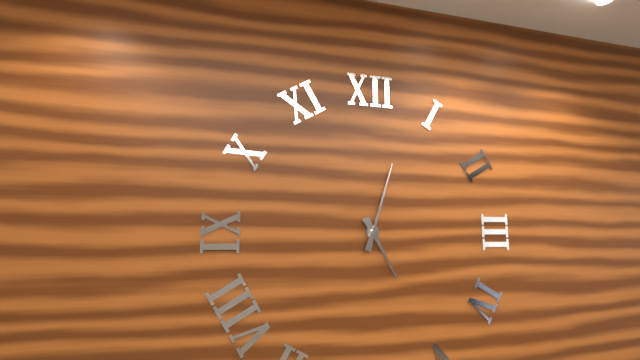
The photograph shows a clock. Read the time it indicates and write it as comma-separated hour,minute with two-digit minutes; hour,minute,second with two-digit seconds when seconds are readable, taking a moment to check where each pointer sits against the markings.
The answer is 5,03
